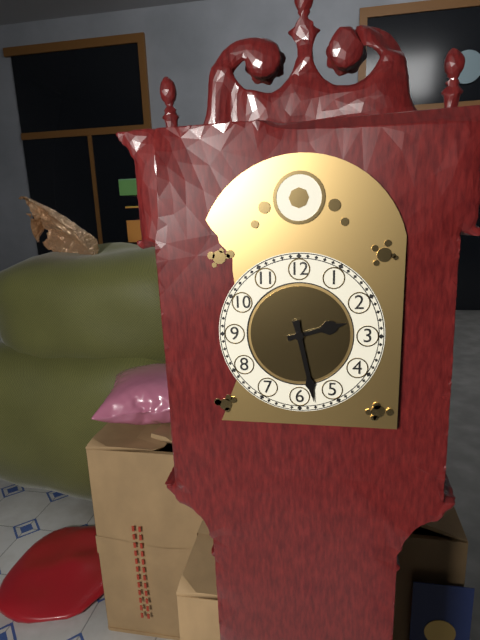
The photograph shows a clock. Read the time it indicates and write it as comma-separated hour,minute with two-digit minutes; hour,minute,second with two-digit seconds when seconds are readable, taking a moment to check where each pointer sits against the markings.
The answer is 2,28
